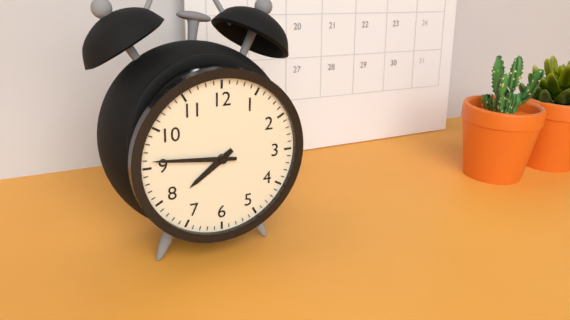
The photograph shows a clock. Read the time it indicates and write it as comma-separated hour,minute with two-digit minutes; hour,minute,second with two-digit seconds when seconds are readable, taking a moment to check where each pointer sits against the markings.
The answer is 7,46
